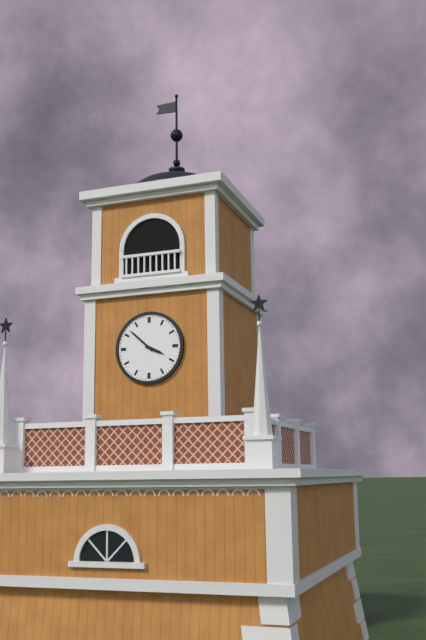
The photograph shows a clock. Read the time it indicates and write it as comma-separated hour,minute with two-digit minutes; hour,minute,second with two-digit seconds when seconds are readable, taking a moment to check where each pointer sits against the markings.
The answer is 3,52
